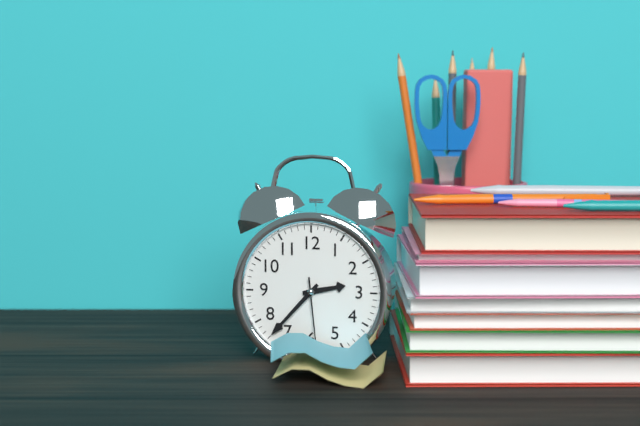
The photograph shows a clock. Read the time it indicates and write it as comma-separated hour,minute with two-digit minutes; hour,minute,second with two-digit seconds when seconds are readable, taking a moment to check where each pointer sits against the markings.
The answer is 2,37,29
